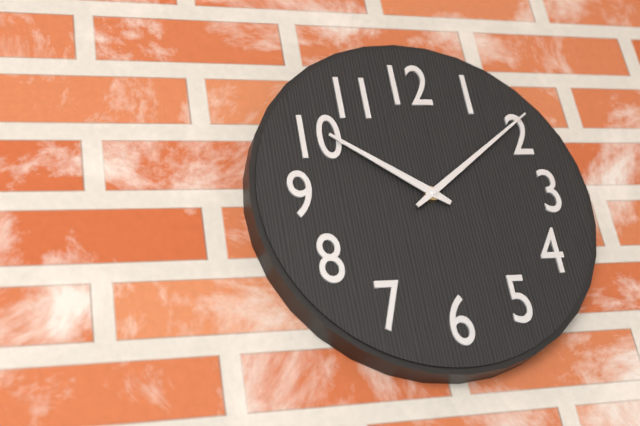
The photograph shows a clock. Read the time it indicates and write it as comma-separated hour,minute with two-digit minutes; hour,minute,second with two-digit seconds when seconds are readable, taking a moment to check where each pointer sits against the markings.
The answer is 10,09
